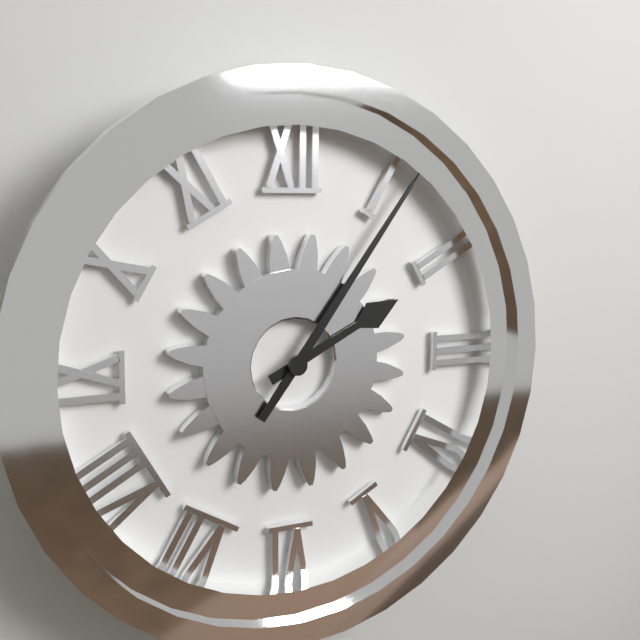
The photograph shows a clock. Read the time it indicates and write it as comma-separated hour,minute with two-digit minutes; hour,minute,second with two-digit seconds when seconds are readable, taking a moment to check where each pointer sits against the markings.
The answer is 2,06
